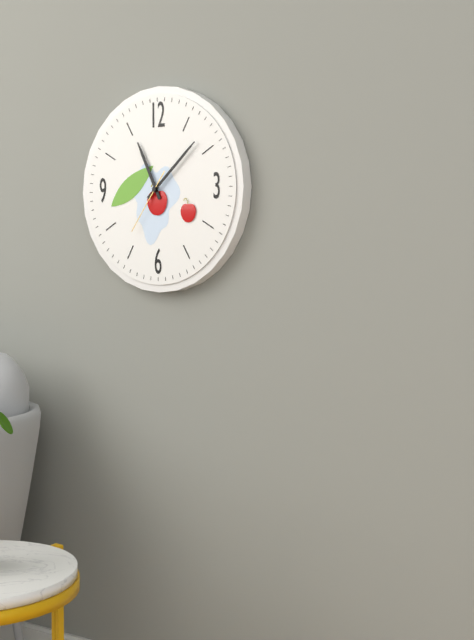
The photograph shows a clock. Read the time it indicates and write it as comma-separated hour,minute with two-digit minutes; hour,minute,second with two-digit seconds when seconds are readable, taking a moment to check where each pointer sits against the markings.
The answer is 11,08,36
